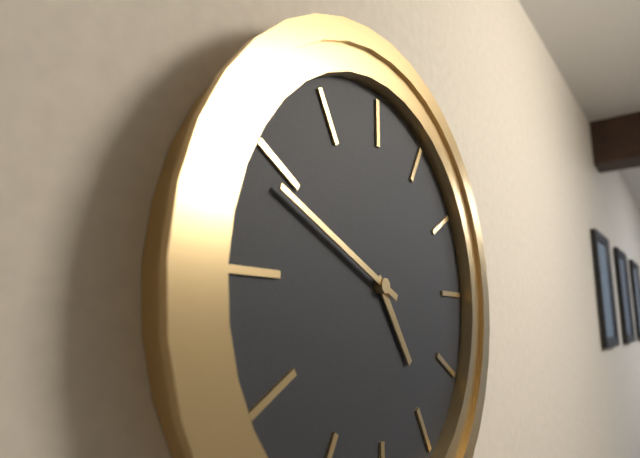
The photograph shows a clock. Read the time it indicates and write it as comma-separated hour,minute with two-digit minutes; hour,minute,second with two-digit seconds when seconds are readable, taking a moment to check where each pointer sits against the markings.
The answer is 4,49
